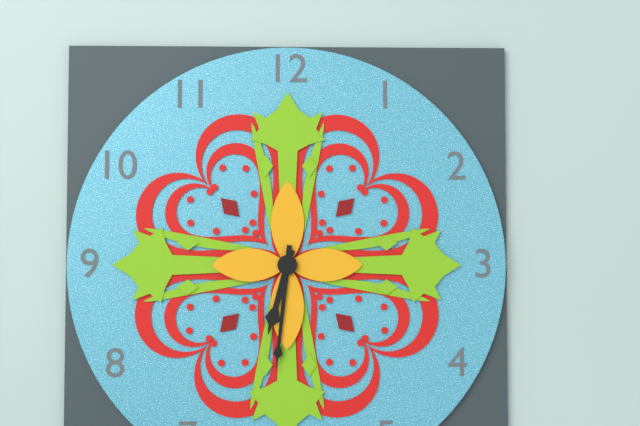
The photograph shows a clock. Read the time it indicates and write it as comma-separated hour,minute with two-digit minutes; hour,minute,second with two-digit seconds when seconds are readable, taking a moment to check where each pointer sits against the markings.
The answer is 6,31
